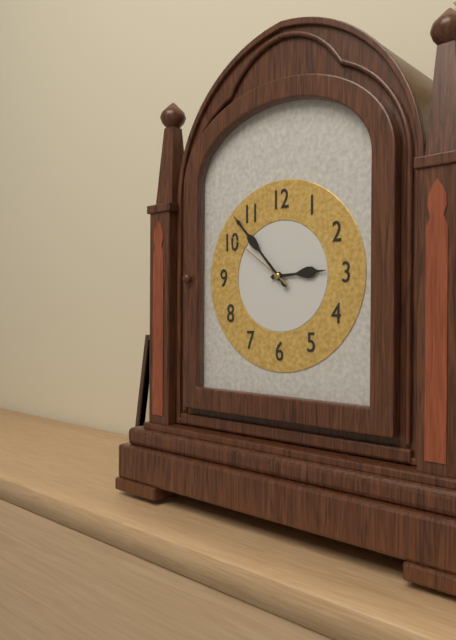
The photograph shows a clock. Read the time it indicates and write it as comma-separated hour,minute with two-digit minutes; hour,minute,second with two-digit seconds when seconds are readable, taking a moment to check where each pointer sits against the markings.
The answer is 2,53,51
